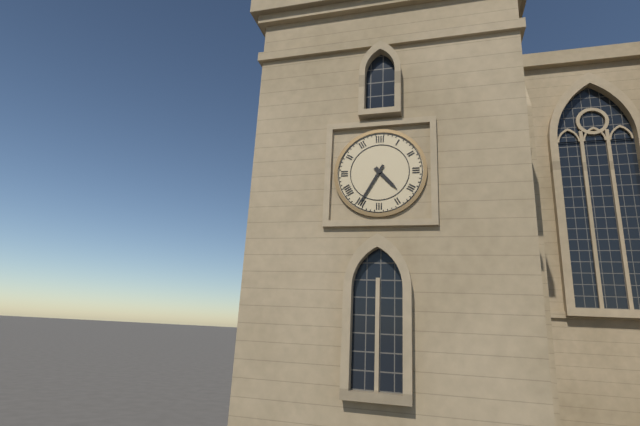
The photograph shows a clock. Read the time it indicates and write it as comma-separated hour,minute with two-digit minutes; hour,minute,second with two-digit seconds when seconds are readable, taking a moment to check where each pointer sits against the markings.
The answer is 4,35
